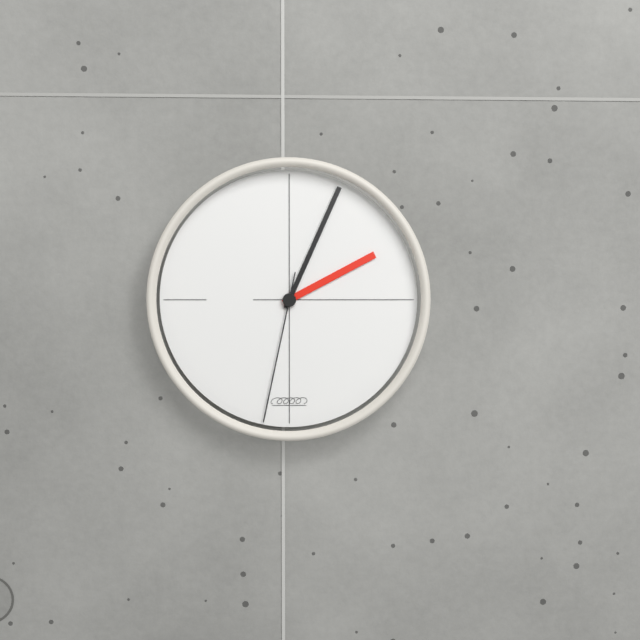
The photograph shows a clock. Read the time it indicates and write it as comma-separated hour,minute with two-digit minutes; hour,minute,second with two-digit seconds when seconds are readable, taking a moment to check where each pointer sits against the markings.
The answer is 2,04,32
